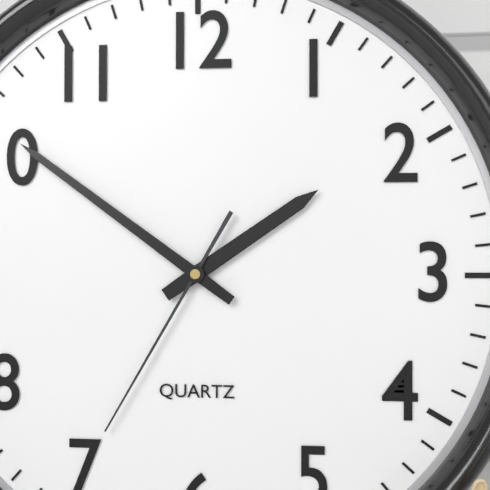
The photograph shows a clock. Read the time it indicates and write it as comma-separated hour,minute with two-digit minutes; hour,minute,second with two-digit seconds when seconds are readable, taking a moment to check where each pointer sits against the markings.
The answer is 1,51,35
